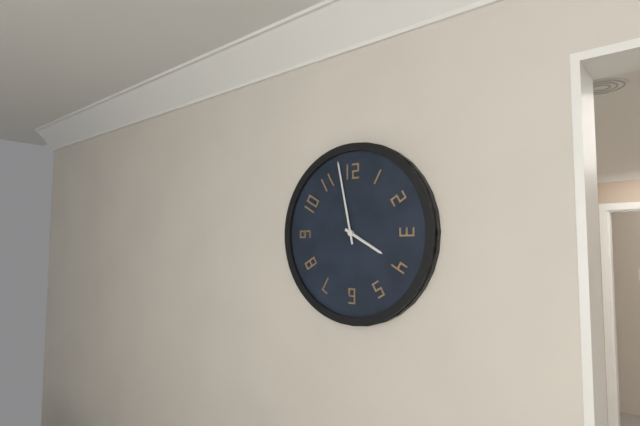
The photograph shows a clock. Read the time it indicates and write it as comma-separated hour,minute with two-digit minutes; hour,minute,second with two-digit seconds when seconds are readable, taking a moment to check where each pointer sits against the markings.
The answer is 3,58
